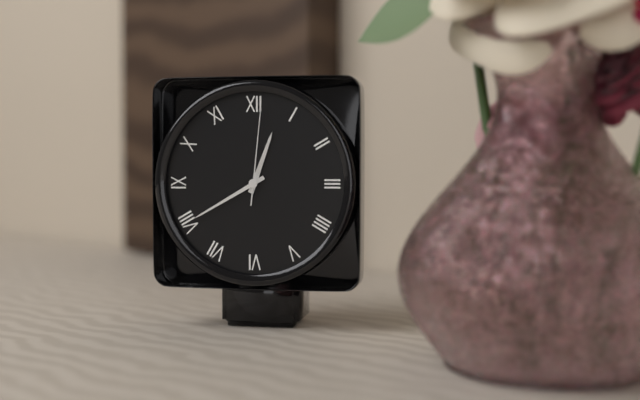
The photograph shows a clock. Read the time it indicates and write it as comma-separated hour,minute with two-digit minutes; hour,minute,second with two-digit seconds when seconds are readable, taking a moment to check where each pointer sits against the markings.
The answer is 12,40,01
